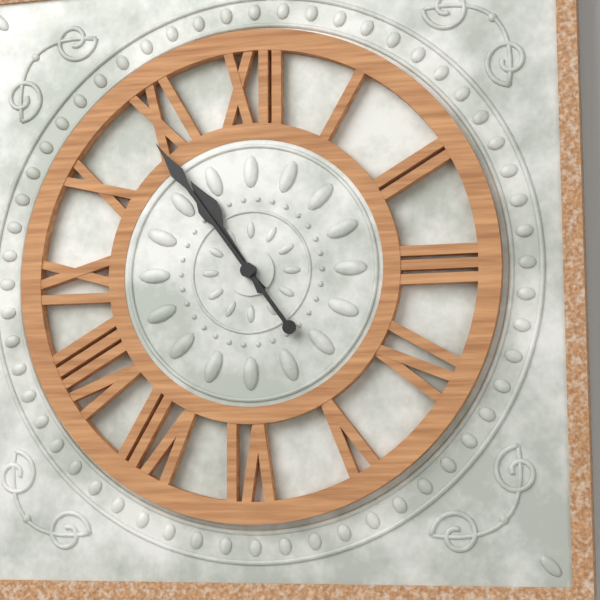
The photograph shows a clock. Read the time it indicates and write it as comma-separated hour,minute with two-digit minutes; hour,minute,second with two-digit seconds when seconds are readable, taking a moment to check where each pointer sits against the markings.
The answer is 10,54
